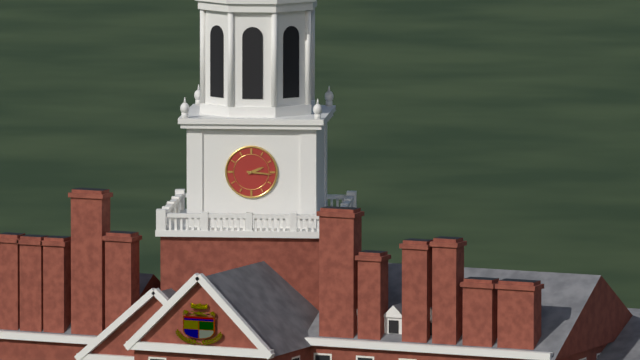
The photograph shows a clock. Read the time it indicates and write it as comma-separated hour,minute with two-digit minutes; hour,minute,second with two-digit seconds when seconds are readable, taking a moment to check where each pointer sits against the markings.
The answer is 2,16
